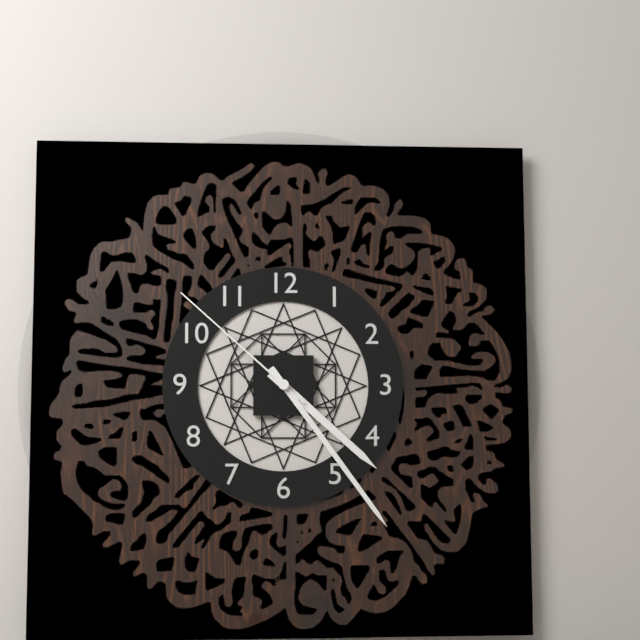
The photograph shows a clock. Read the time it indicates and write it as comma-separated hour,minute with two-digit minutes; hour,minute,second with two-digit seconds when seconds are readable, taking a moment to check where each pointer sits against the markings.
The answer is 4,24,52
